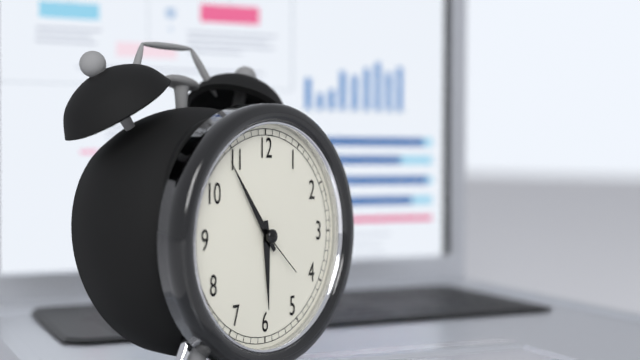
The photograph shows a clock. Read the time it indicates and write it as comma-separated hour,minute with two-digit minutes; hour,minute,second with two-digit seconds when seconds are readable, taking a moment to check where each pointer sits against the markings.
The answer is 5,54,22
